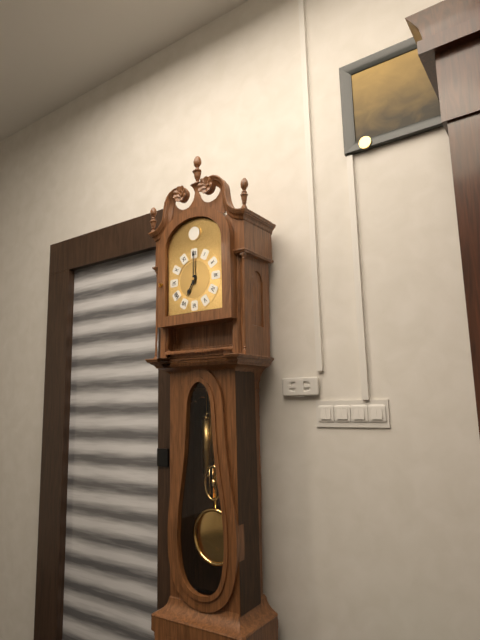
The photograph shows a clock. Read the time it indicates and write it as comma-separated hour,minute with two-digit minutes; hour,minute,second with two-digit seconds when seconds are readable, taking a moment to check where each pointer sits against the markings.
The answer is 7,00
